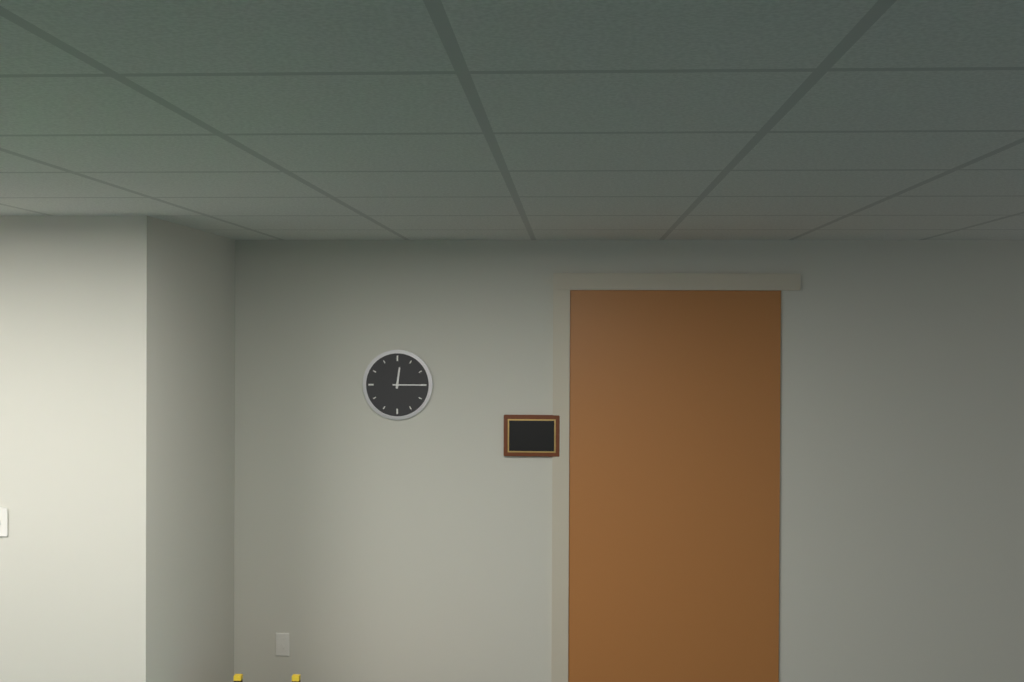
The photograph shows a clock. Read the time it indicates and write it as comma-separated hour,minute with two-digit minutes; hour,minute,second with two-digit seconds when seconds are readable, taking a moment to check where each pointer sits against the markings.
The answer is 12,15
